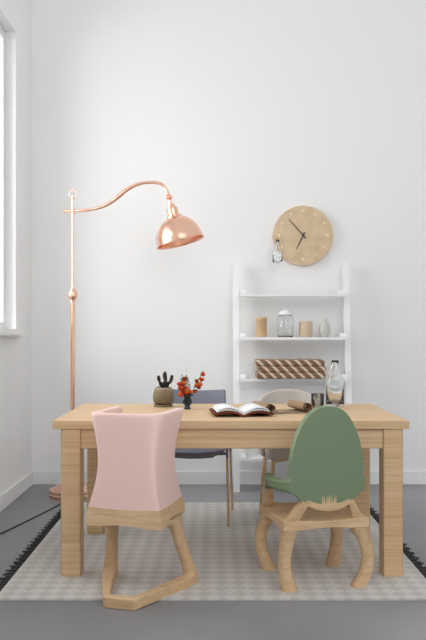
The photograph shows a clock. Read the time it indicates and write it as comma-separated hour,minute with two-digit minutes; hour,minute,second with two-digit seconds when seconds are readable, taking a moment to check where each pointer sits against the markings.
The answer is 6,53
